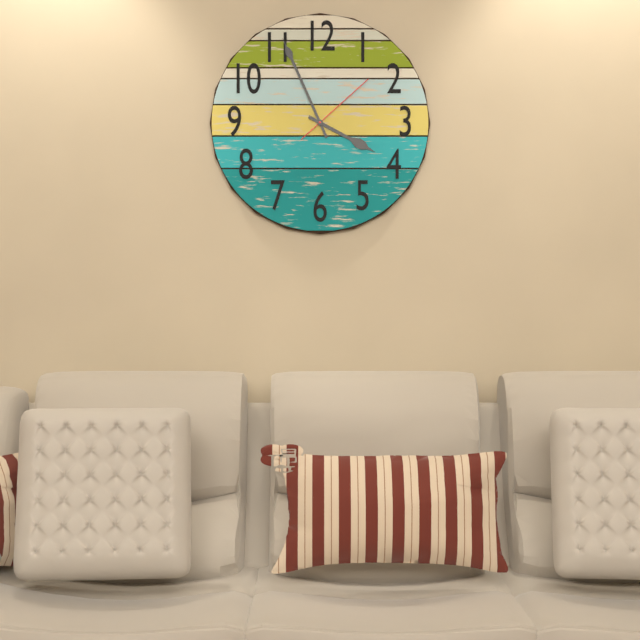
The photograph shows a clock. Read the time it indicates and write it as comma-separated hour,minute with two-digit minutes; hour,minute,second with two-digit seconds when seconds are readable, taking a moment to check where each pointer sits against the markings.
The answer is 3,56,08
